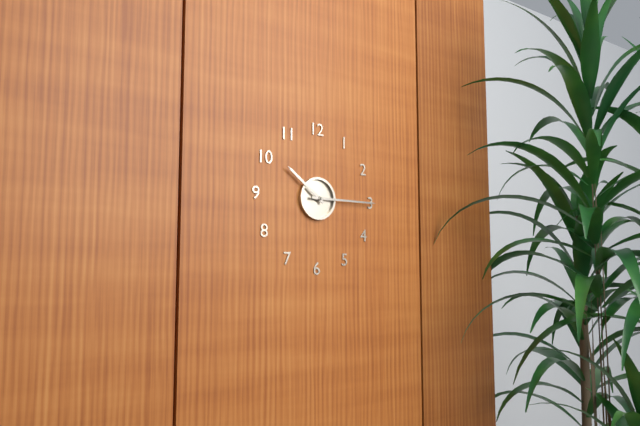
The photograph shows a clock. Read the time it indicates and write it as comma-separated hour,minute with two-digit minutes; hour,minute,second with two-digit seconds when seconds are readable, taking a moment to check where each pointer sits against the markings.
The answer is 10,15
